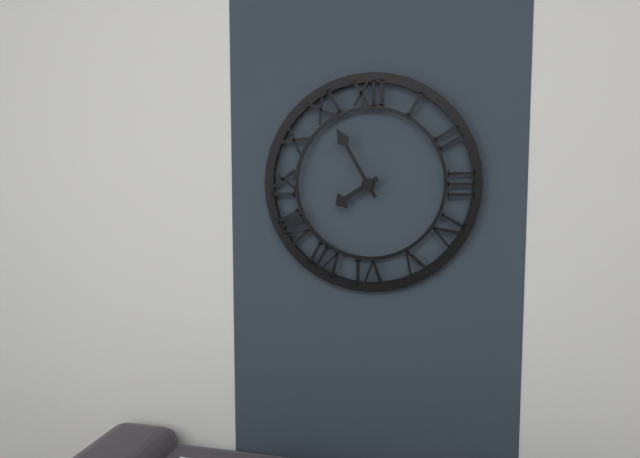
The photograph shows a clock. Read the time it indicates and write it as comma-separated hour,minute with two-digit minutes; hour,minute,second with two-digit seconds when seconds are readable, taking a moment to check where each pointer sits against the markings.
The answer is 7,55
